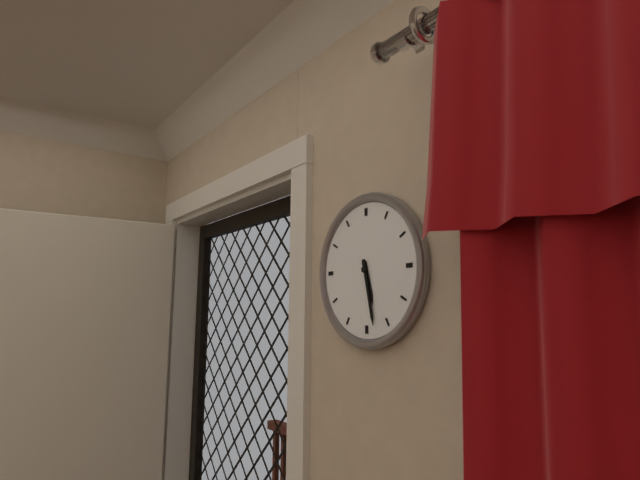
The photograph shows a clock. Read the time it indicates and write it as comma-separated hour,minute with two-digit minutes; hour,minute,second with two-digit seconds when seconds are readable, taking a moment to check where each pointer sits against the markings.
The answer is 5,28
